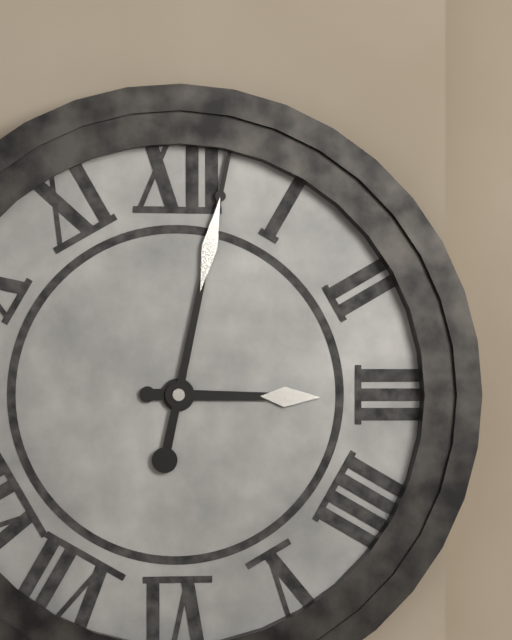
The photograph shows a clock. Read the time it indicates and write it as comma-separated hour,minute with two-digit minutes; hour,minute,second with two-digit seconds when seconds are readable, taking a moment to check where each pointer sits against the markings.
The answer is 3,02
